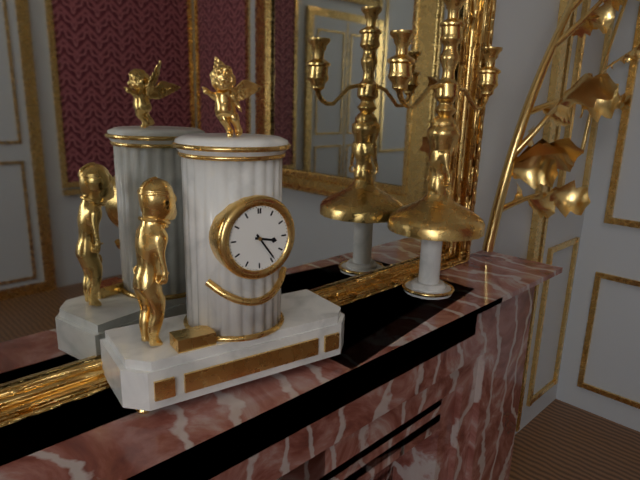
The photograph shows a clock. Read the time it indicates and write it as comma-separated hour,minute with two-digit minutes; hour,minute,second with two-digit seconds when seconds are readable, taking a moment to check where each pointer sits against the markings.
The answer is 3,24
